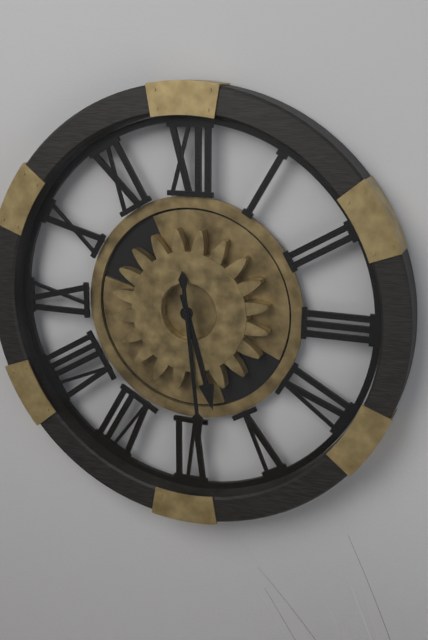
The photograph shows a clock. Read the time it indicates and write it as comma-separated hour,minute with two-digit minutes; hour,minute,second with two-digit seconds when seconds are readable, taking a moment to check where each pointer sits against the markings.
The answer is 5,29
